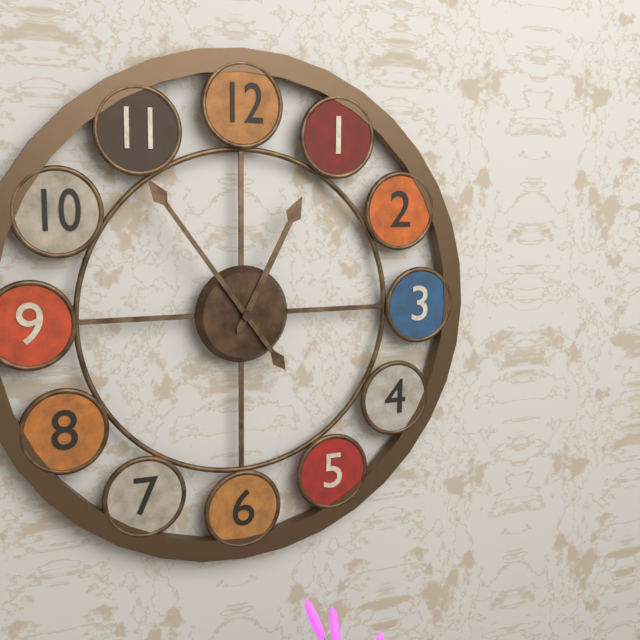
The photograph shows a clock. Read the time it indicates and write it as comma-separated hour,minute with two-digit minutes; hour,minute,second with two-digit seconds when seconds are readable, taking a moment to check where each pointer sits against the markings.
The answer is 12,54
